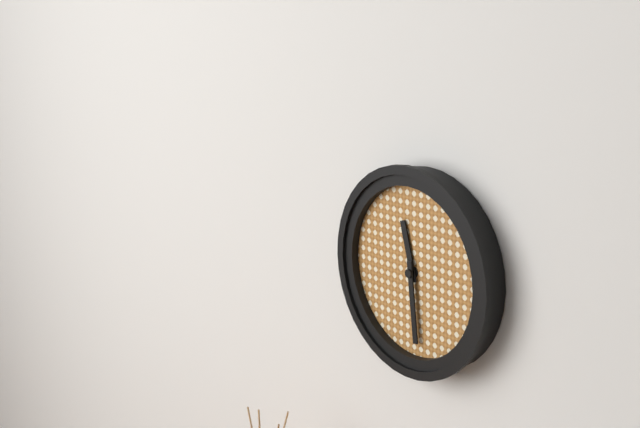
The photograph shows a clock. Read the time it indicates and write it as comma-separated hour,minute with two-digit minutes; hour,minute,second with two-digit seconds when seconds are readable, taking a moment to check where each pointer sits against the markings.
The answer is 11,29
